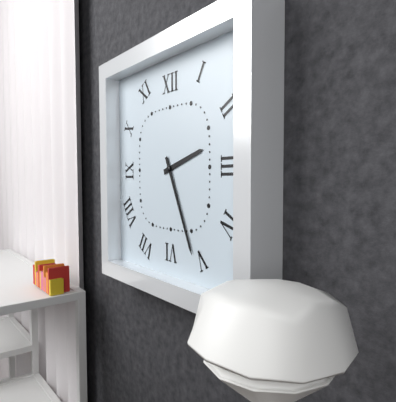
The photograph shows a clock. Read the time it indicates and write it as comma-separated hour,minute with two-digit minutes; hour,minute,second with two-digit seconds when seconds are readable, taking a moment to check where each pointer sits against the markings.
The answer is 2,26
